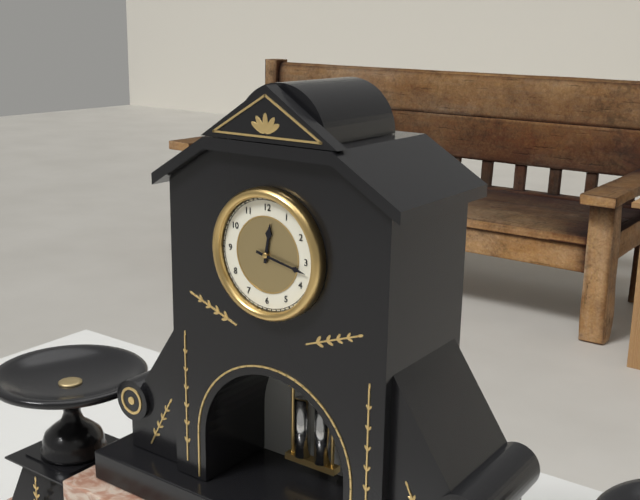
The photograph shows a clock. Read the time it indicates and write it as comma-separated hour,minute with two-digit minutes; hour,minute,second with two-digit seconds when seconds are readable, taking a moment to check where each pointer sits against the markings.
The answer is 12,17
